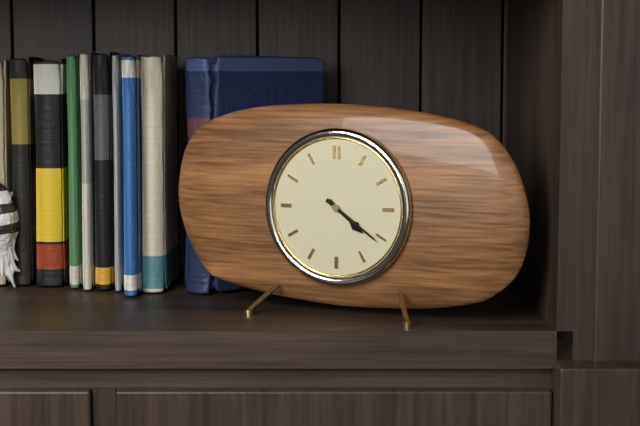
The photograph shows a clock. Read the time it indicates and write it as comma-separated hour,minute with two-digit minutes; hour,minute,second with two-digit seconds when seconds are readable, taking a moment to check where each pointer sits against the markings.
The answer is 4,21
